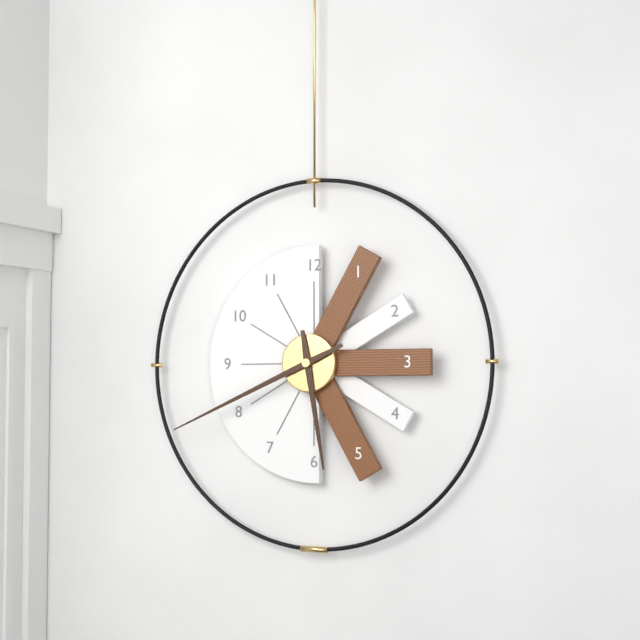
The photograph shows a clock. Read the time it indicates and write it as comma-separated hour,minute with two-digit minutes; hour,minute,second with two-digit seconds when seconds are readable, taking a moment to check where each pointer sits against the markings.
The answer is 5,41
